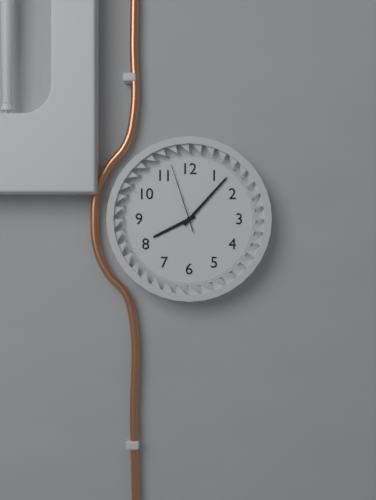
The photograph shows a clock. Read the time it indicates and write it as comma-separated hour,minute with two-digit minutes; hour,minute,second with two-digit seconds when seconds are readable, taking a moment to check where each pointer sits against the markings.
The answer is 8,07,57
